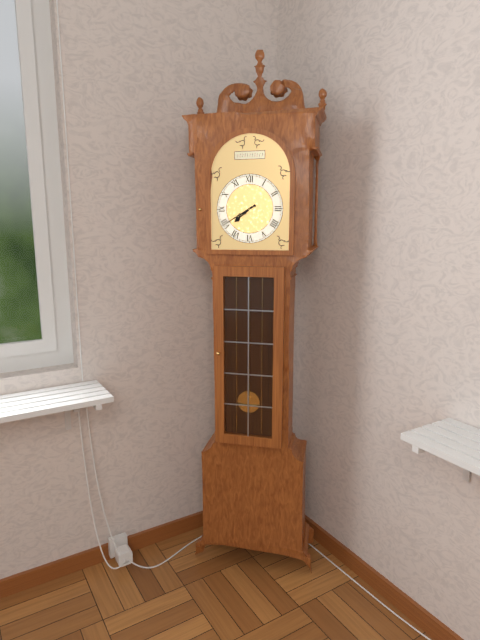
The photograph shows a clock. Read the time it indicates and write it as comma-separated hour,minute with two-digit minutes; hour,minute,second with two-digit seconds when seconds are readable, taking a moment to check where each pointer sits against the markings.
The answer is 7,40
